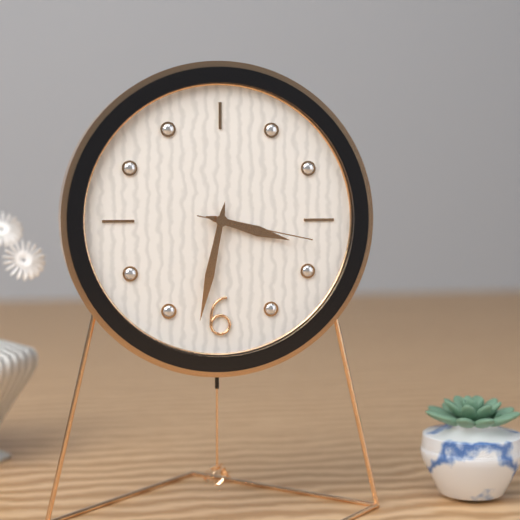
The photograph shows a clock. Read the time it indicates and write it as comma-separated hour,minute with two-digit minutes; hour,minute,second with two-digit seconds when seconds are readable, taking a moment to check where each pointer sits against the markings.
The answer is 3,32,17
